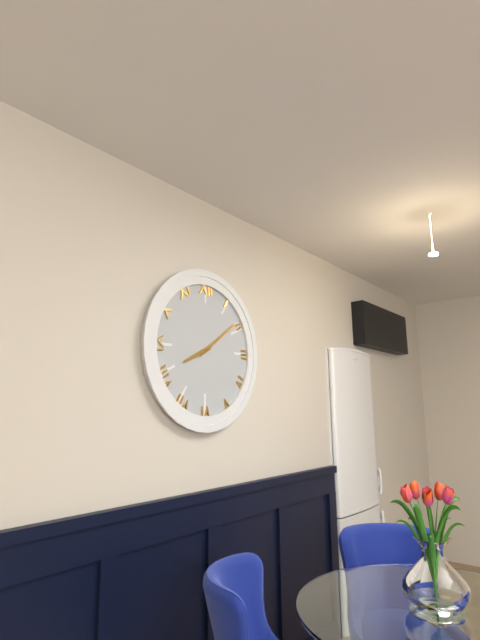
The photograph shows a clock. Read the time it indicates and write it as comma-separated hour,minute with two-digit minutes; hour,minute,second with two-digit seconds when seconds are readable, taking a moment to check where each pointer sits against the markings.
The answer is 8,09
